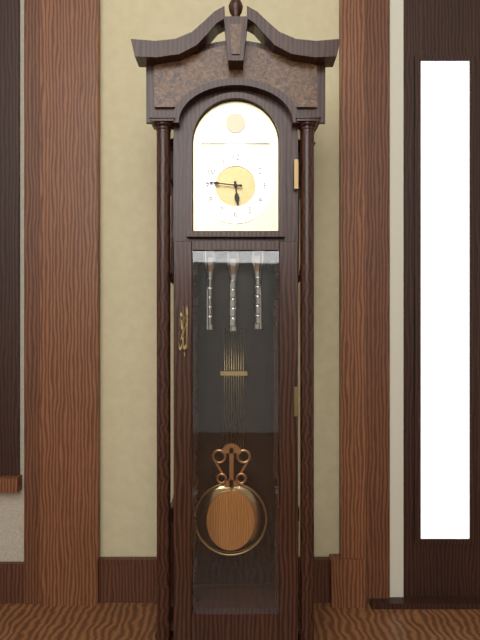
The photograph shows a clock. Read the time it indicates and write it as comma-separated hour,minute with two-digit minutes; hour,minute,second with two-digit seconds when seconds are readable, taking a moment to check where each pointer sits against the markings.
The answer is 5,46
